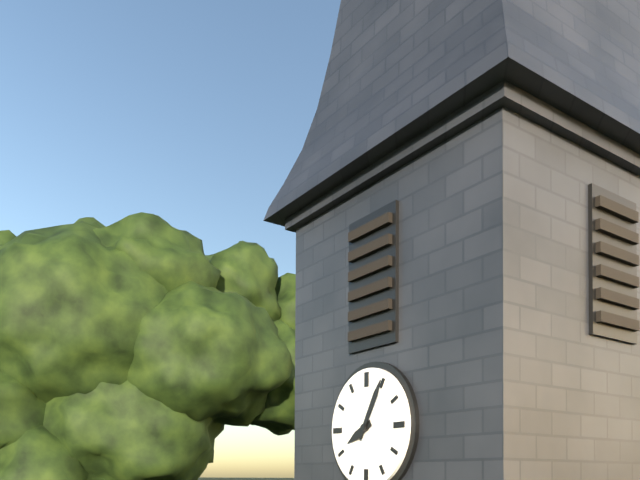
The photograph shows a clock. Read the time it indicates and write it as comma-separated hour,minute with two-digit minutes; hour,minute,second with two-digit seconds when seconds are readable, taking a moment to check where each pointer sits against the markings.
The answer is 8,05
